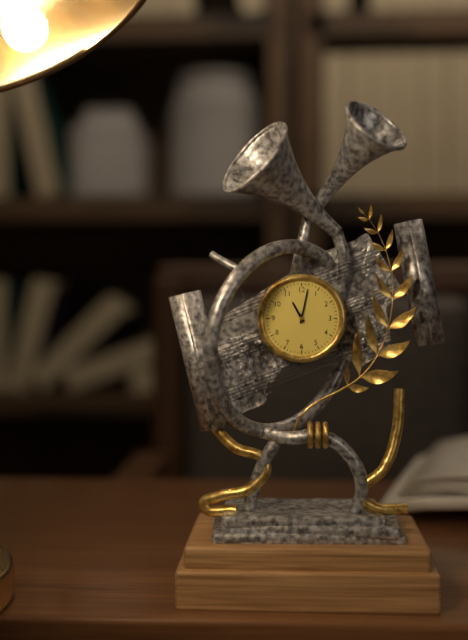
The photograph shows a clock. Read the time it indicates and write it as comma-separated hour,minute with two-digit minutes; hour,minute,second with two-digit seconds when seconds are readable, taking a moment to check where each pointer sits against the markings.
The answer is 11,02
